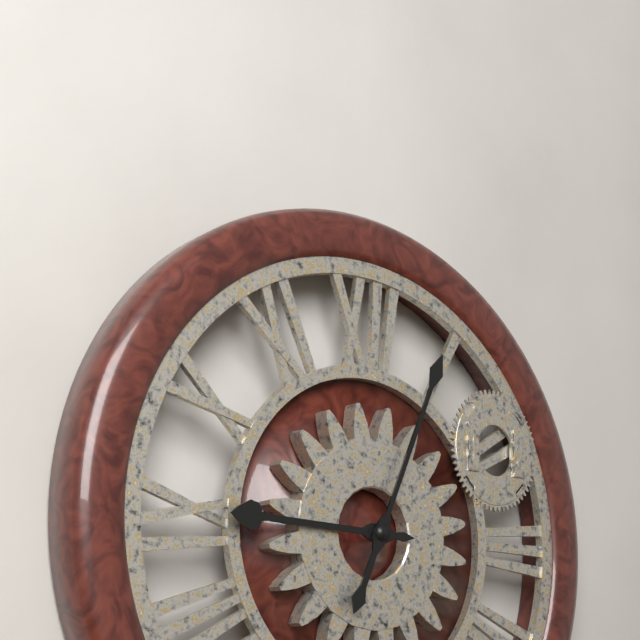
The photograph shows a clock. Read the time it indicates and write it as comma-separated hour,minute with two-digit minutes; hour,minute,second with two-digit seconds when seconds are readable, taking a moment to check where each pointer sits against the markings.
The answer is 9,04
